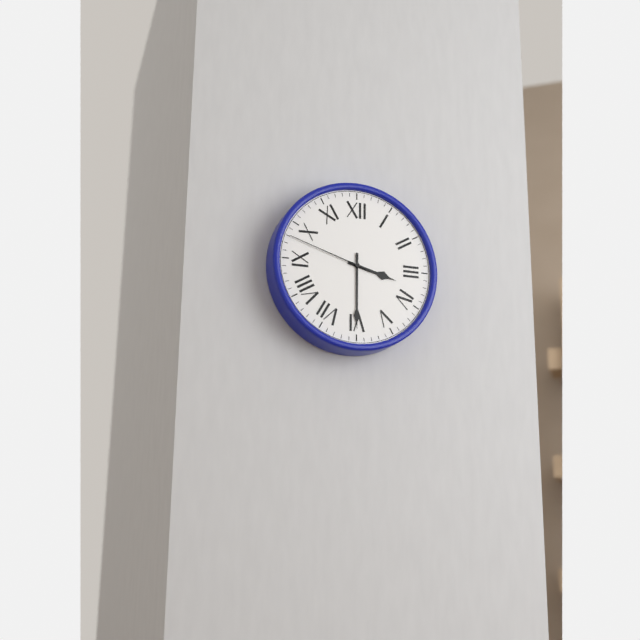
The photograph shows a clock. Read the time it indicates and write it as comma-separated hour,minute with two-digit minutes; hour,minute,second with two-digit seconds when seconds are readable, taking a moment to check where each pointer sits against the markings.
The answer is 3,30,48
